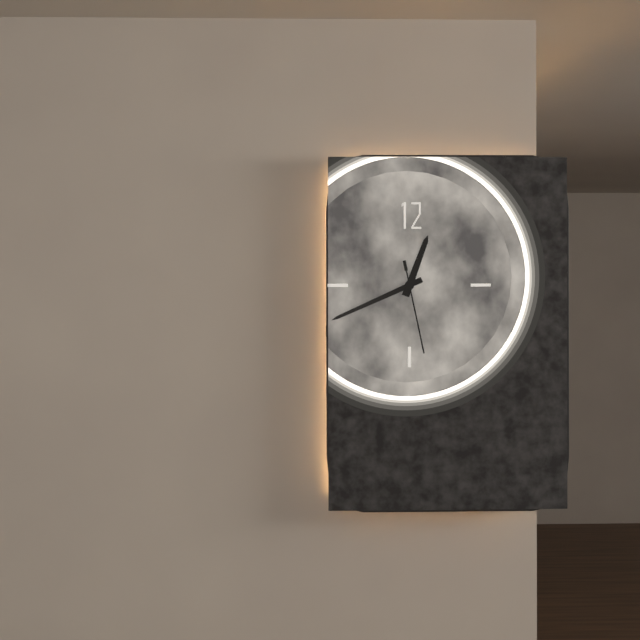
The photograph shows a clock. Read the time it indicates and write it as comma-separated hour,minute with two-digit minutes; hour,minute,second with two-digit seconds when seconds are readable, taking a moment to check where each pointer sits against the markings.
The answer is 12,41,28
